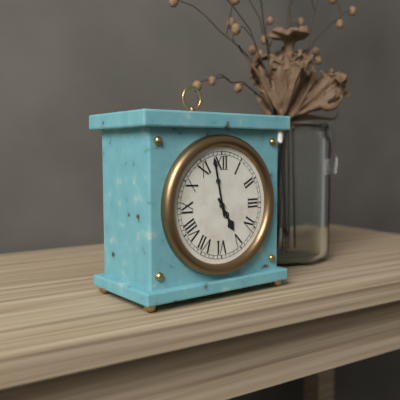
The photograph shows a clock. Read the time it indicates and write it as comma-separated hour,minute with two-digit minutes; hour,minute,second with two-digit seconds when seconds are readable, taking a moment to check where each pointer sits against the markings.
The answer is 4,58
